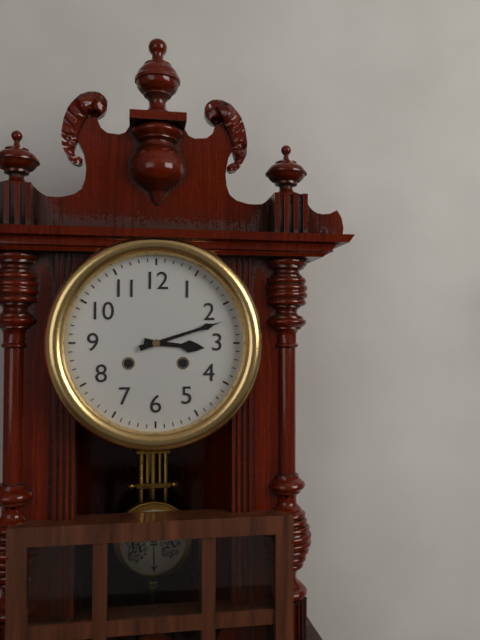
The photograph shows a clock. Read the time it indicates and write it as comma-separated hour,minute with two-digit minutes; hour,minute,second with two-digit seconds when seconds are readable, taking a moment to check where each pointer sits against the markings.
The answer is 3,12
